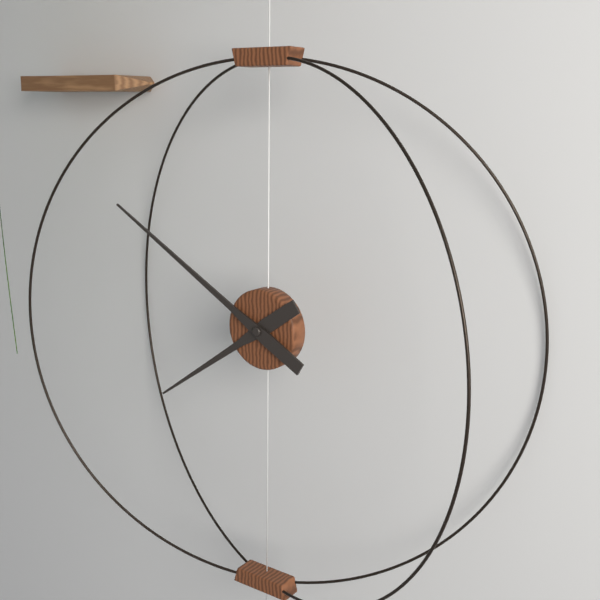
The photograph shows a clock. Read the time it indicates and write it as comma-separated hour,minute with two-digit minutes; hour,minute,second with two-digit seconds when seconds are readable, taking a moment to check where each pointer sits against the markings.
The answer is 7,50
